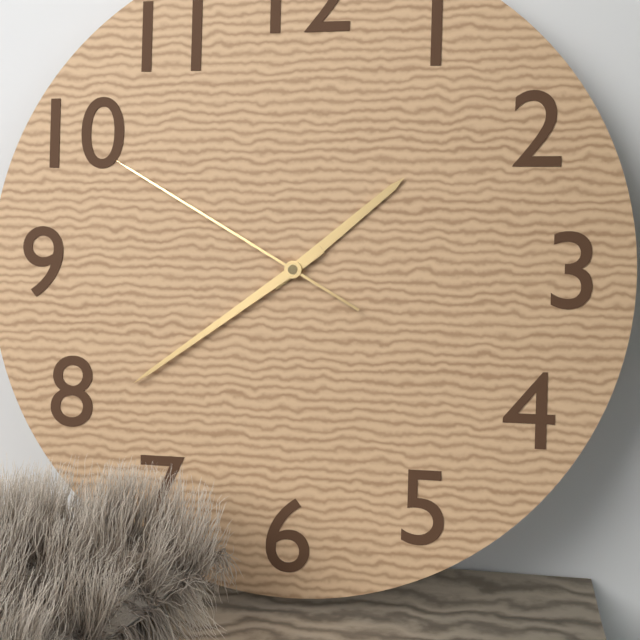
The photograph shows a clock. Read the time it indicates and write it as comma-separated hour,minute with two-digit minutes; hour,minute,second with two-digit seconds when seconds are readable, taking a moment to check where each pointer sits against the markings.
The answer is 1,39,50
